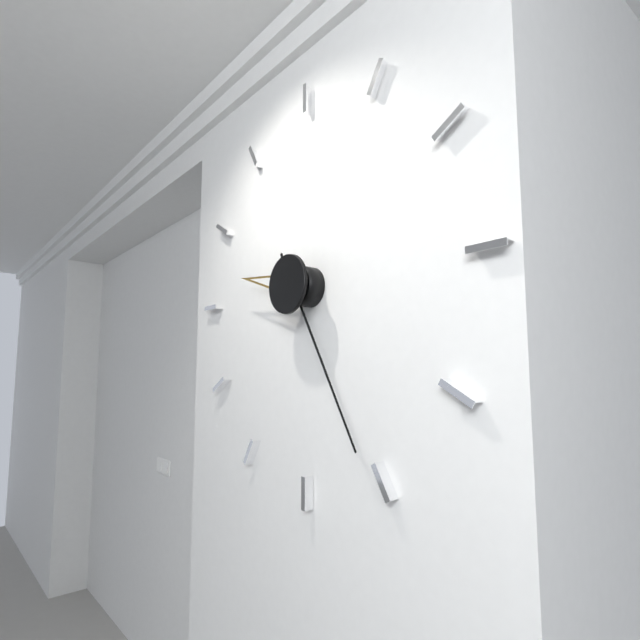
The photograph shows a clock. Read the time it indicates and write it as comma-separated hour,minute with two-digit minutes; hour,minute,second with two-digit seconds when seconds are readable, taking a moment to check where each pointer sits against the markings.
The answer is 9,25
